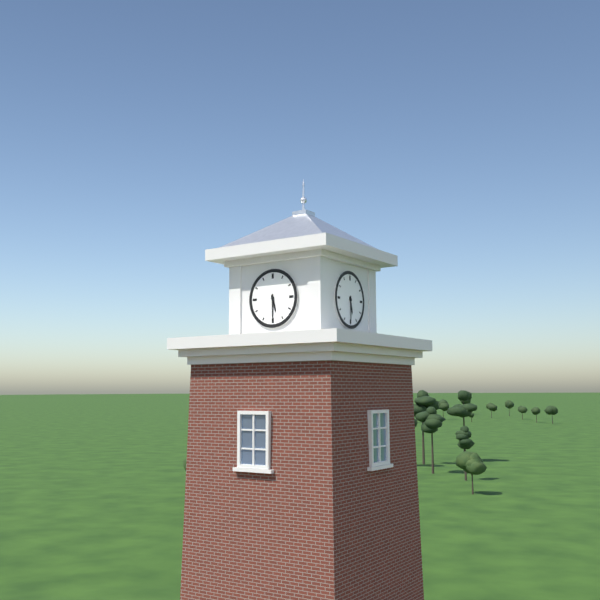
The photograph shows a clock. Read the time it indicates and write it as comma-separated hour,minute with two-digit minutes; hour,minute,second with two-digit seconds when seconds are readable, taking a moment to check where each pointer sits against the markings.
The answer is 5,30
